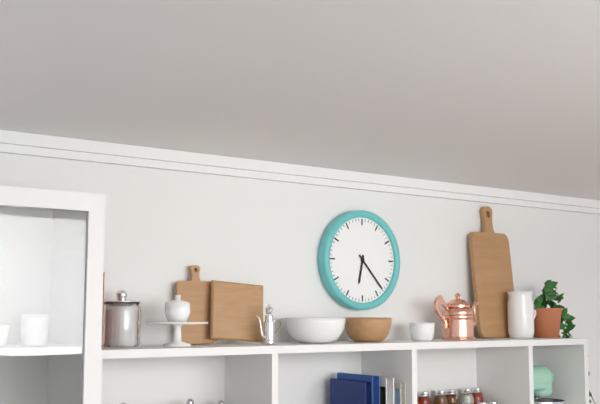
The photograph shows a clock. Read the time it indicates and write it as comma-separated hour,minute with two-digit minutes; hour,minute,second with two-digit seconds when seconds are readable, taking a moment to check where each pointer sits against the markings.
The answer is 6,23
